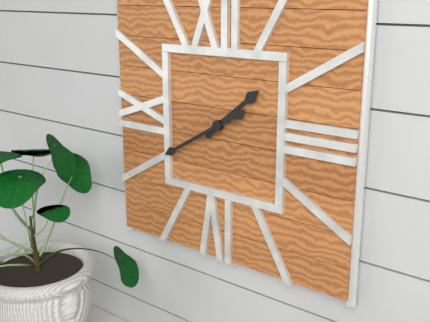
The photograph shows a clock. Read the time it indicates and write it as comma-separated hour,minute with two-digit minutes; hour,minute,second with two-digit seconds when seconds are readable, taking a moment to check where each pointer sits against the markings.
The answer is 1,40
